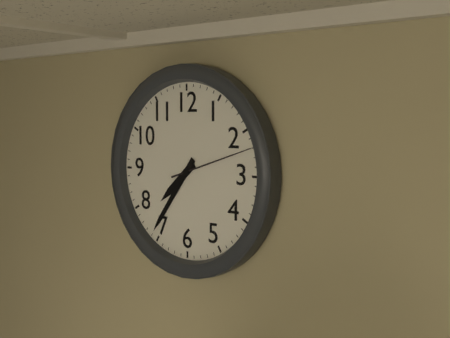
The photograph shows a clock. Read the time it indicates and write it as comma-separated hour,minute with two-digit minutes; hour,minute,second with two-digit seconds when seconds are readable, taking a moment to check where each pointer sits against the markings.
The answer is 7,36
